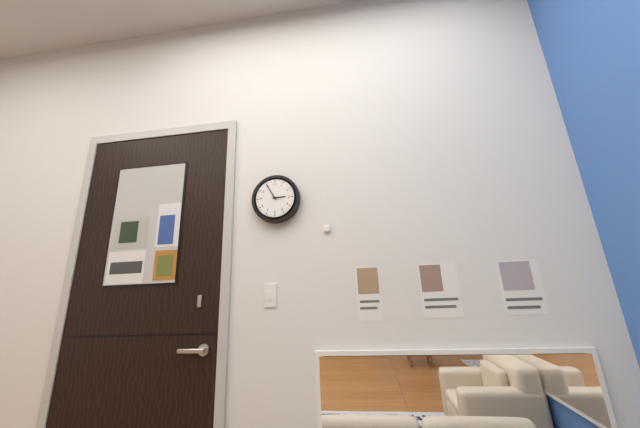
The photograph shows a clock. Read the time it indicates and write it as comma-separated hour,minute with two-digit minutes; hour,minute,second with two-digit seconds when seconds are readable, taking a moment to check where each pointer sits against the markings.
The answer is 2,55
